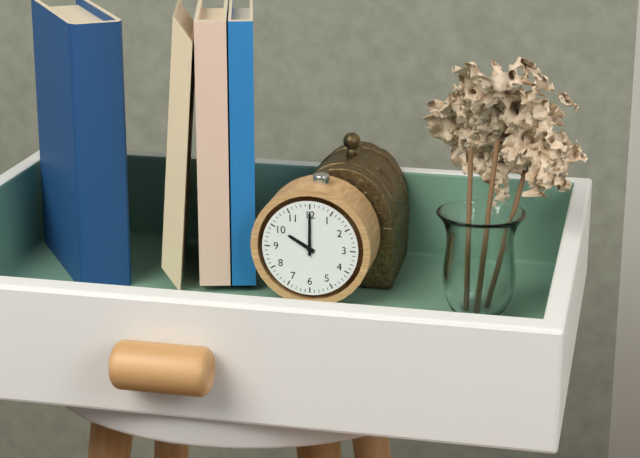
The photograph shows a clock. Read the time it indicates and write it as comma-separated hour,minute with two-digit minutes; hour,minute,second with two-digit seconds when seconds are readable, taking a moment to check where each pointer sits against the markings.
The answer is 10,00
